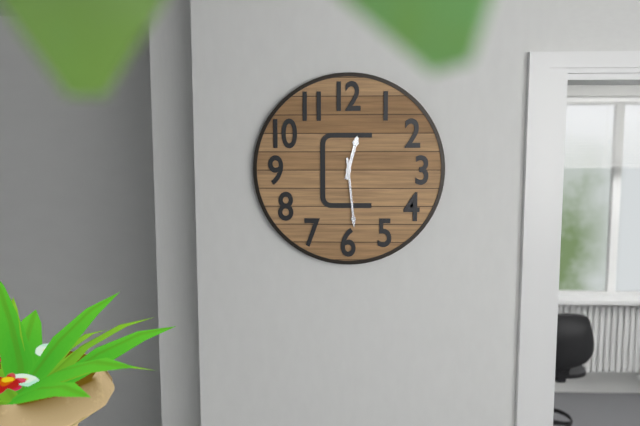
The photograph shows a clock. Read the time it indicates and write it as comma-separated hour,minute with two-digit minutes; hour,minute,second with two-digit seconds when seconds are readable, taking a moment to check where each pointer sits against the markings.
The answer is 12,29
